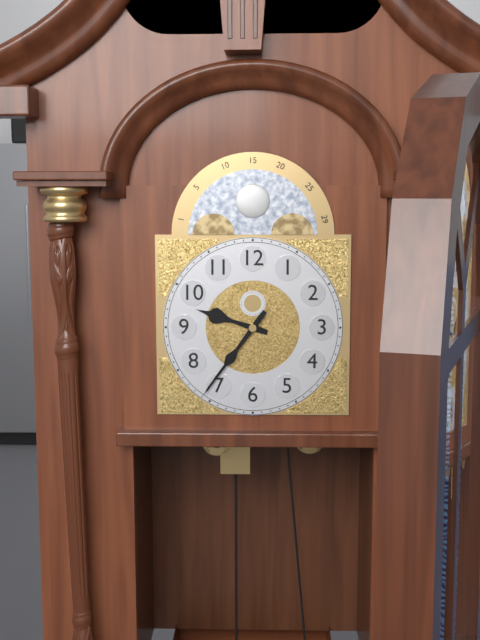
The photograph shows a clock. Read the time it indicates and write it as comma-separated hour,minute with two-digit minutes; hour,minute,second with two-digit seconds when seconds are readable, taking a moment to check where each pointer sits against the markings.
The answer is 9,36
